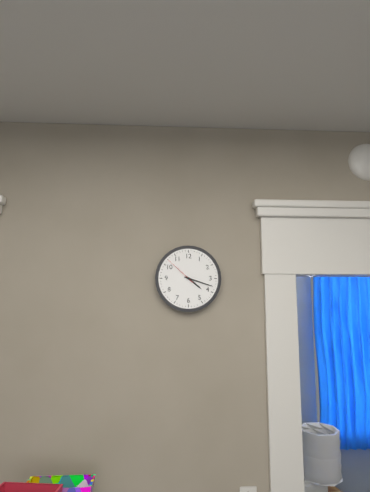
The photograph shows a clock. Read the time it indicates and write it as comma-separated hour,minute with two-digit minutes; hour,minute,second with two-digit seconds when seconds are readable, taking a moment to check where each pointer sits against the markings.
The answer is 4,18
